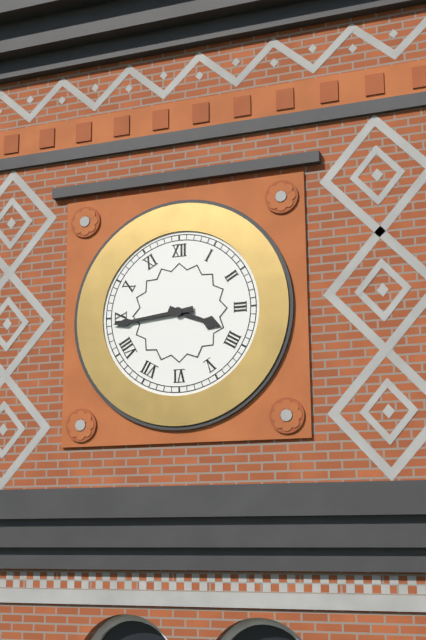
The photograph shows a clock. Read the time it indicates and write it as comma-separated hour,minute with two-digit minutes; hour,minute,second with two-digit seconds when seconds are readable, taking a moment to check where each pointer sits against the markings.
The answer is 3,44
